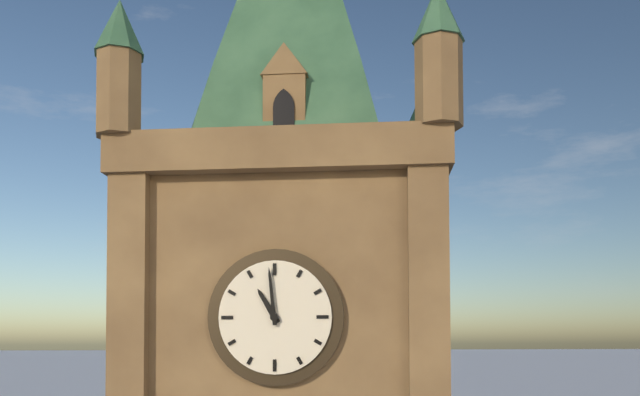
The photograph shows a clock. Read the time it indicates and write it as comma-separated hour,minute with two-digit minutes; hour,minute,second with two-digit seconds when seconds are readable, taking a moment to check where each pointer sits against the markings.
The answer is 10,59
